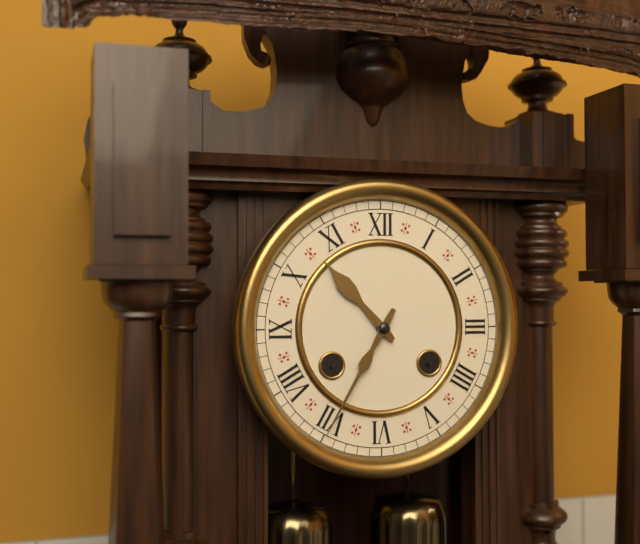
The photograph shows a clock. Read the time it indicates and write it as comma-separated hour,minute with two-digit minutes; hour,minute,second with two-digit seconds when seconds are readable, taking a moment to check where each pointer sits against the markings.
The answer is 10,35
